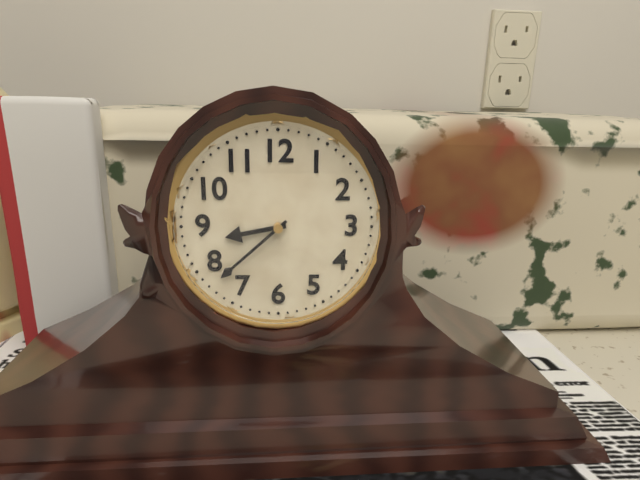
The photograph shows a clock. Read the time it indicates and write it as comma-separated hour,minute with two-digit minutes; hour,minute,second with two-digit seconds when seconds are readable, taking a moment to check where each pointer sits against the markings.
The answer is 8,38
